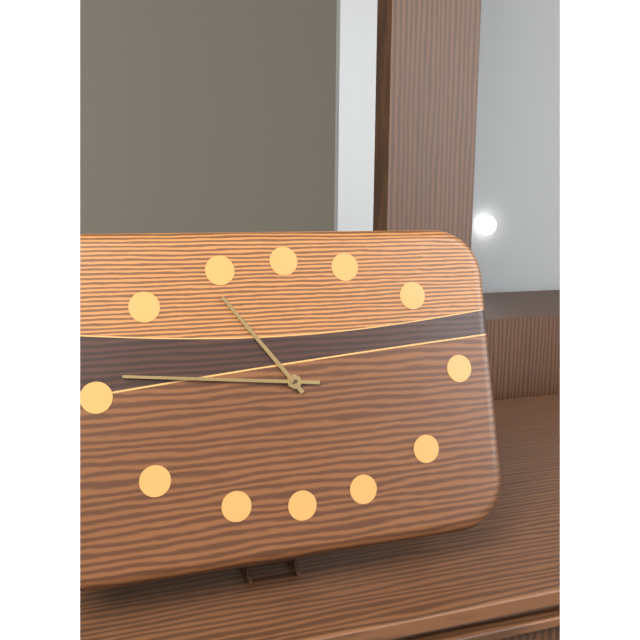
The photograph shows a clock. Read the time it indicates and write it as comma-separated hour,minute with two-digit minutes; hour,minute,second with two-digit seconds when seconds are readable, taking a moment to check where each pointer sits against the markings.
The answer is 10,46
